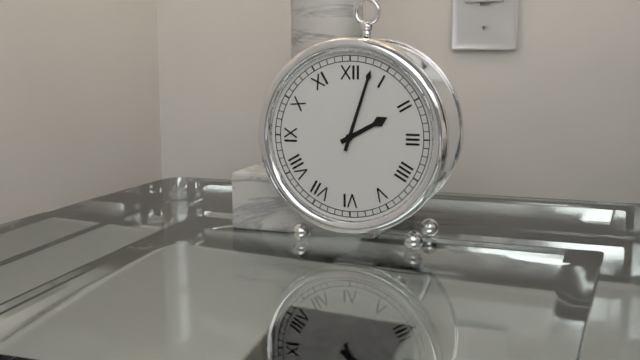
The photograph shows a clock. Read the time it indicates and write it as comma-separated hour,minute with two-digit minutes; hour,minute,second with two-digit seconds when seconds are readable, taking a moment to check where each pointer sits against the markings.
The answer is 2,03
